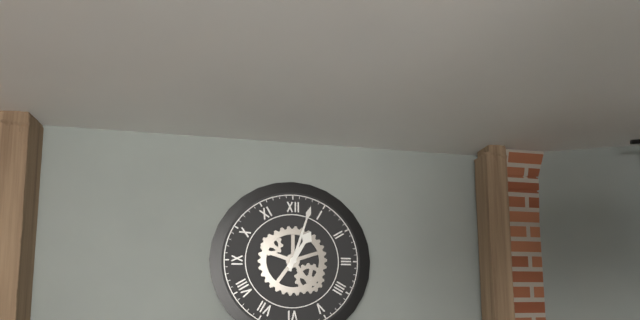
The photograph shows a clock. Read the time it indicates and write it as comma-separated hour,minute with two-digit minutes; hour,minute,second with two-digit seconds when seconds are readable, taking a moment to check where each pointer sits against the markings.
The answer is 1,03
